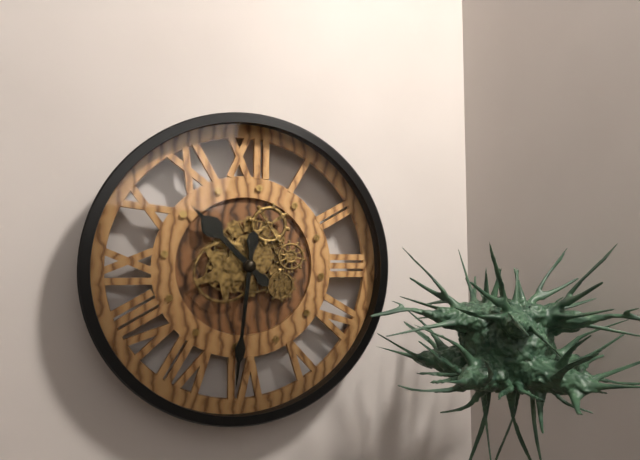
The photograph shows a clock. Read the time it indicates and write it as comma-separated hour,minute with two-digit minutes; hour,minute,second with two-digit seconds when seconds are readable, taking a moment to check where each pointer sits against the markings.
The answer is 10,31
